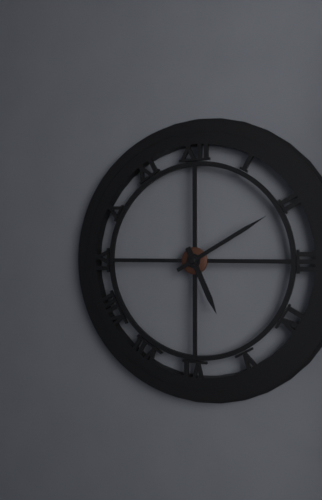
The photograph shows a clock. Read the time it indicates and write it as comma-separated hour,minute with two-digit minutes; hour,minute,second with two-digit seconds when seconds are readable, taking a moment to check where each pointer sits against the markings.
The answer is 5,10
